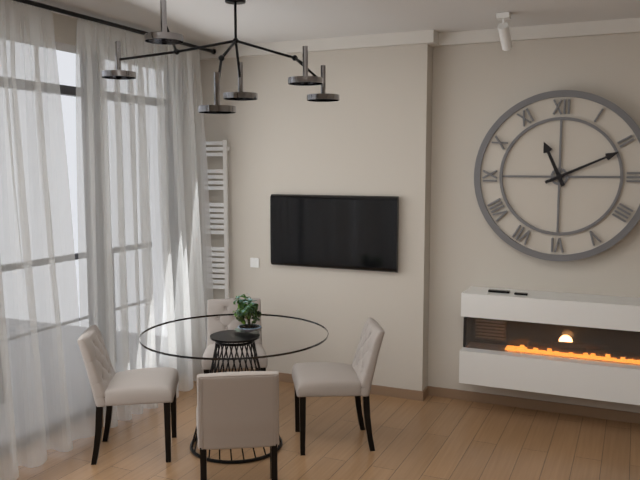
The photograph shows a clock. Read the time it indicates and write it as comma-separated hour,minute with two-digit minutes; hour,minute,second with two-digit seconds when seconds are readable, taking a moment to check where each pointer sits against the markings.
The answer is 11,11
